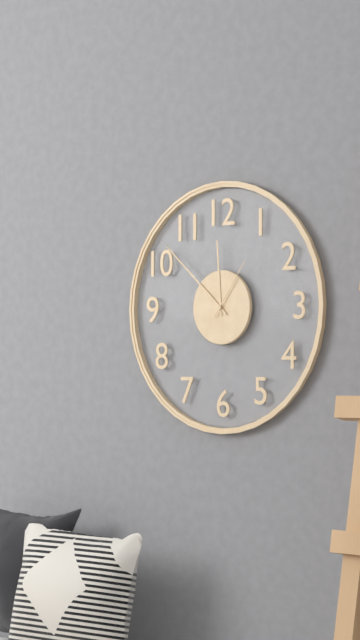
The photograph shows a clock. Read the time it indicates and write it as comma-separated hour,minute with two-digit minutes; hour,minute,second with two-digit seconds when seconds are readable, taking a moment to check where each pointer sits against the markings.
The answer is 11,52,06
